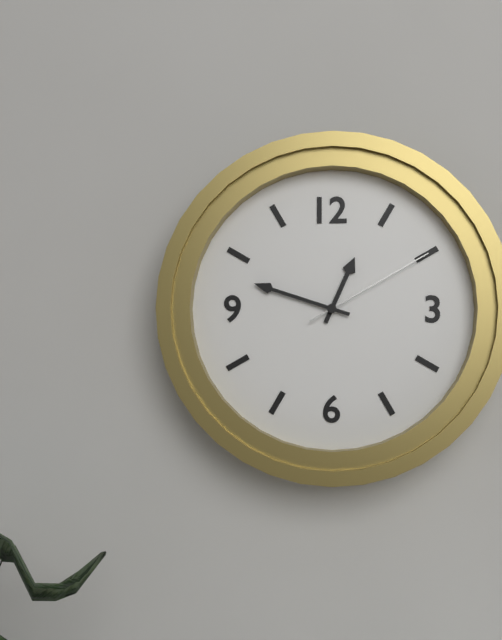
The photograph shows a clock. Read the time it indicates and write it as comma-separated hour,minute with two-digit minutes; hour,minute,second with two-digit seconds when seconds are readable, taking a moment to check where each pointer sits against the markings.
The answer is 12,48,10
